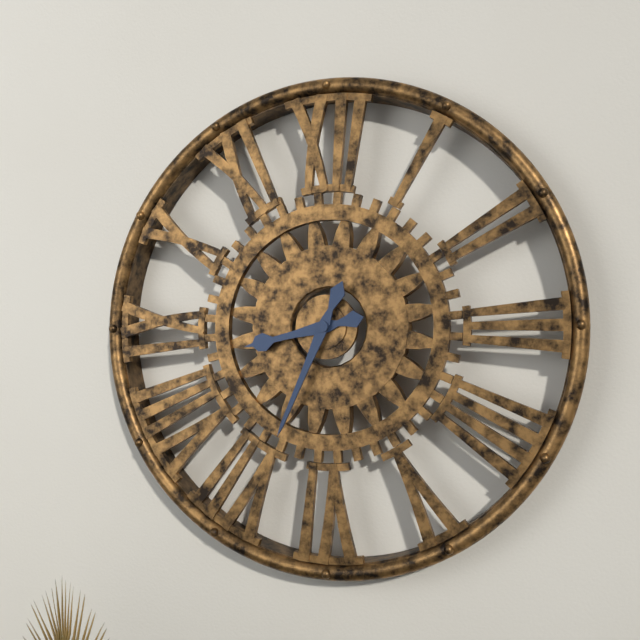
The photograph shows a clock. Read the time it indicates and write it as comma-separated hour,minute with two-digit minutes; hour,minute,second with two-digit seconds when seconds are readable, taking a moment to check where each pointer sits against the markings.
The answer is 8,34
